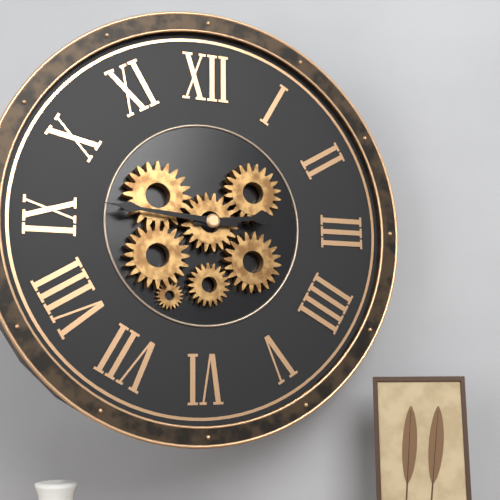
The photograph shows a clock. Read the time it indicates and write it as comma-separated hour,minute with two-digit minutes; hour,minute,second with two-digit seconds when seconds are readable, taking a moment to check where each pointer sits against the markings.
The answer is 2,46
